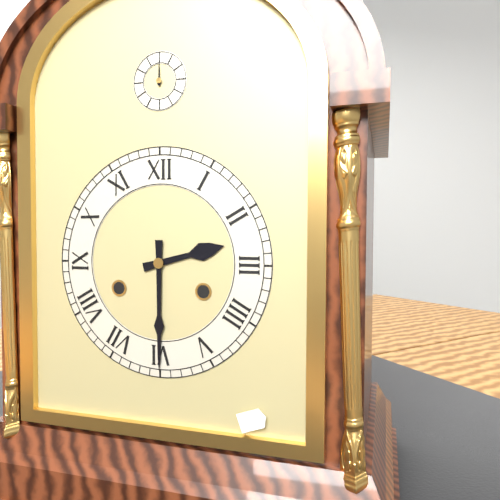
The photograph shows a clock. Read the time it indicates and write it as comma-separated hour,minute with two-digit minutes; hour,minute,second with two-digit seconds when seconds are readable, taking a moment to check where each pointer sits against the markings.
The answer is 2,30
